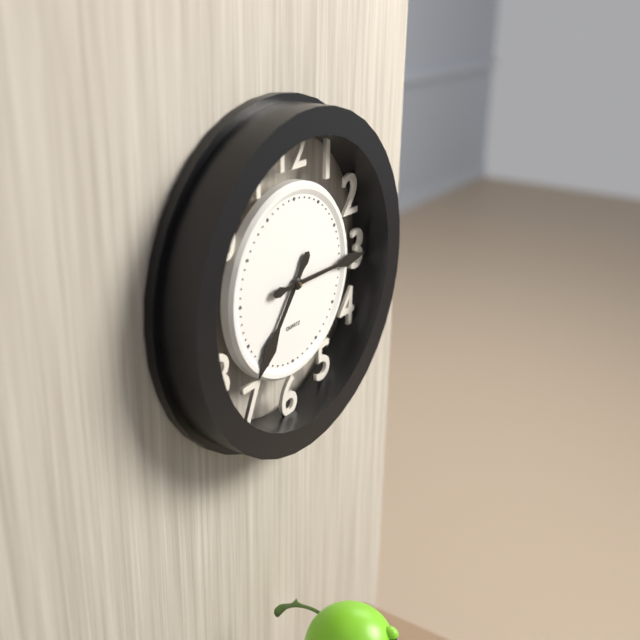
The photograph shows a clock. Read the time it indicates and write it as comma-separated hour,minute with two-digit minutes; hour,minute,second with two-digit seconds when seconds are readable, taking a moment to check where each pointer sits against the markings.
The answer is 7,15
